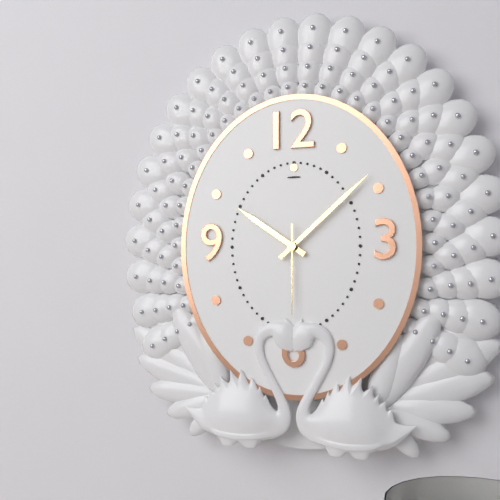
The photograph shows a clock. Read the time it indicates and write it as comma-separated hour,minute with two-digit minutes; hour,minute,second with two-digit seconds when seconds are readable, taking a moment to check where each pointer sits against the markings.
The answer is 10,08,30
